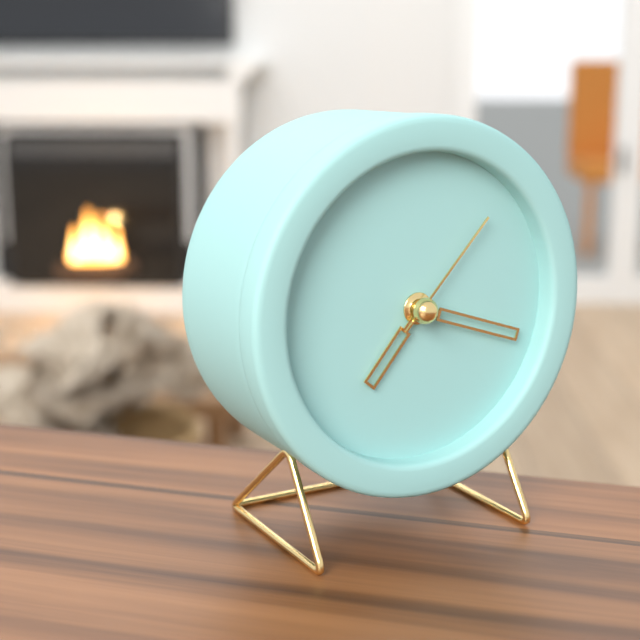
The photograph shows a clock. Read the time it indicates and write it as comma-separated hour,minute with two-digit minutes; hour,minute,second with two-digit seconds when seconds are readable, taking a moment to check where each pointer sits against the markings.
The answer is 7,18,07
